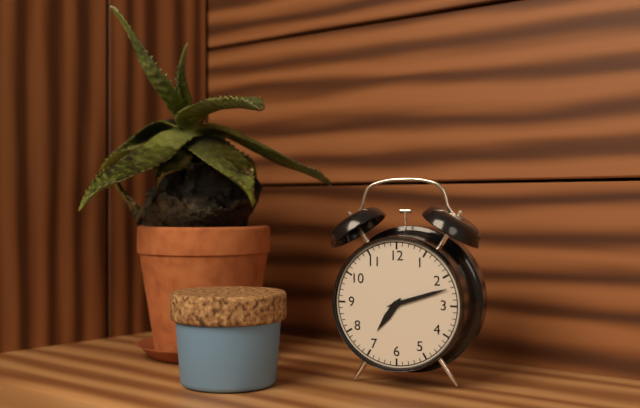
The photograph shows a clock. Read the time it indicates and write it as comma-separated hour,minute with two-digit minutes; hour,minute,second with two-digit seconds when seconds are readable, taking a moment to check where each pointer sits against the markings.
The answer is 7,12
